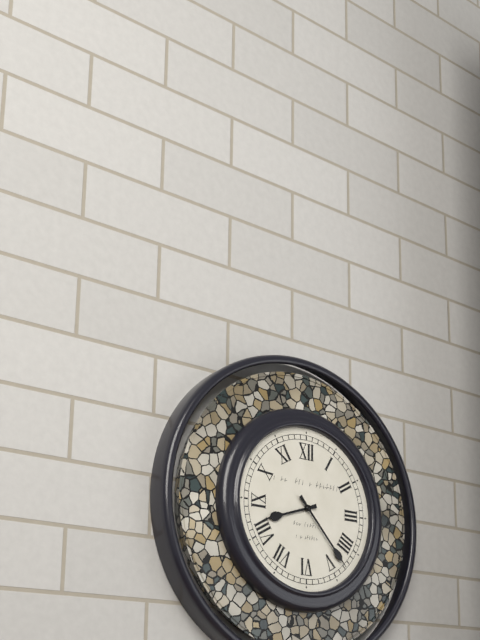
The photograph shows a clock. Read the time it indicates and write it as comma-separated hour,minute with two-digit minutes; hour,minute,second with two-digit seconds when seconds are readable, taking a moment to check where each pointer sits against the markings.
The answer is 8,23
